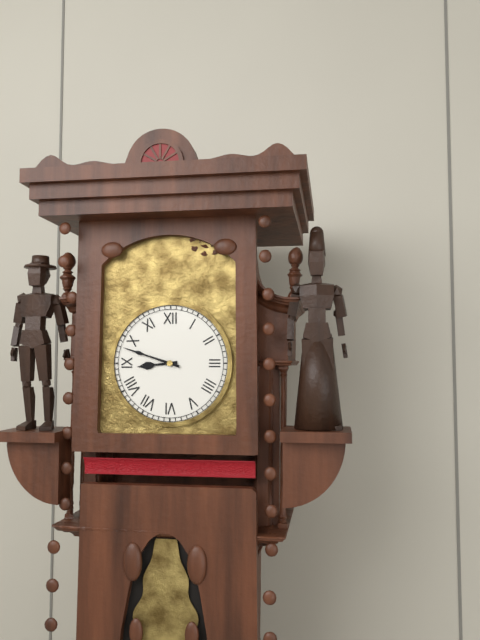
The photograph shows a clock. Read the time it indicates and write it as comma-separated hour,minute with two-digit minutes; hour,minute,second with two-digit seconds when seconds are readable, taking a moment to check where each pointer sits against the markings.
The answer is 8,48
